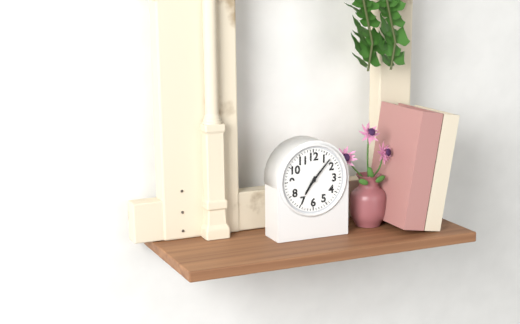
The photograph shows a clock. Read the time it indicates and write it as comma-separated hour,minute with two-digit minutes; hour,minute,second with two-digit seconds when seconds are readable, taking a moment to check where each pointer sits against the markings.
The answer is 7,07
